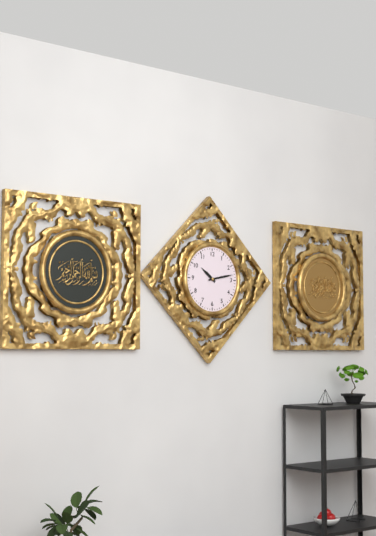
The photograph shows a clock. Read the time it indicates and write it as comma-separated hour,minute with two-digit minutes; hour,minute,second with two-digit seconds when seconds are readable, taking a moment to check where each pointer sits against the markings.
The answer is 10,13
